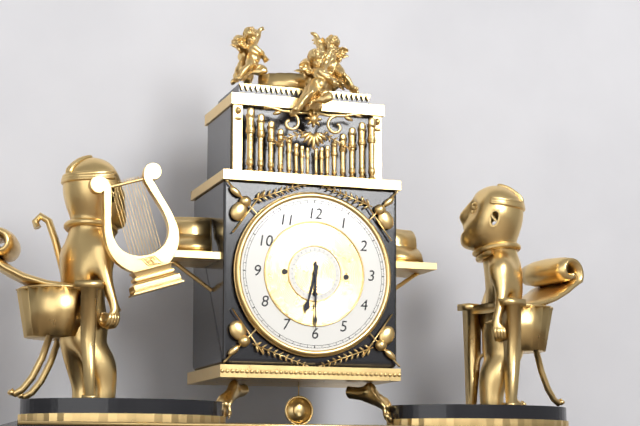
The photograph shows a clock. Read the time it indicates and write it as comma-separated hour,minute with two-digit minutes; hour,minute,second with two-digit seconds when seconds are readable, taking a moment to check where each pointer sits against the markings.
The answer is 6,30
